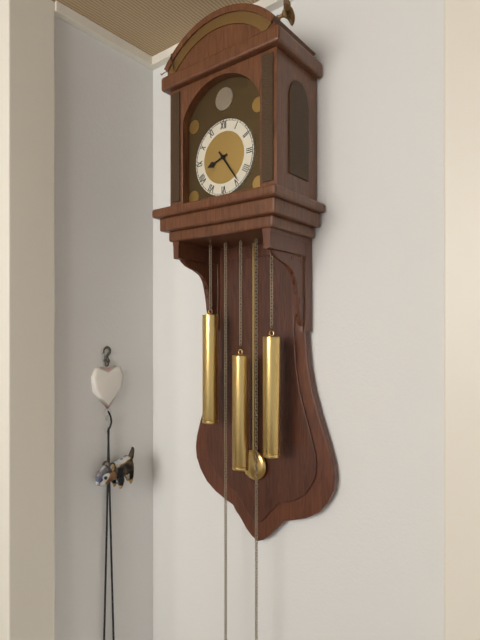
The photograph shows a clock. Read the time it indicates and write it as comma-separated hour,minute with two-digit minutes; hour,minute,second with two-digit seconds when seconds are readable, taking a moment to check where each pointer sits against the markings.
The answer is 8,24
